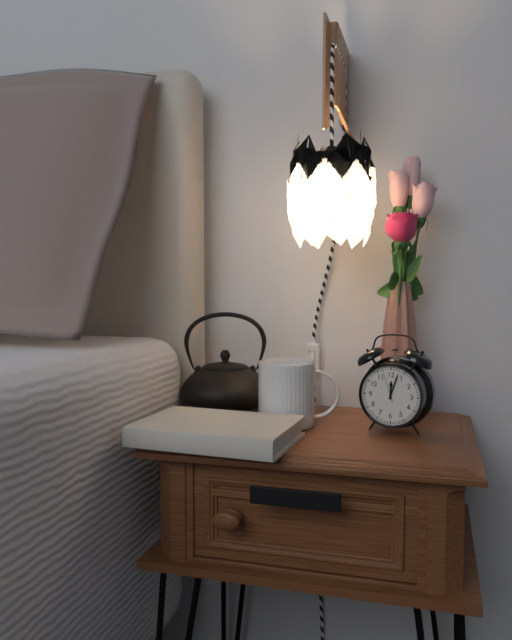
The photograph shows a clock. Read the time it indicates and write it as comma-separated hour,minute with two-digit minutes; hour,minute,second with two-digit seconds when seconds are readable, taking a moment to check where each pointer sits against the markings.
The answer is 12,03
